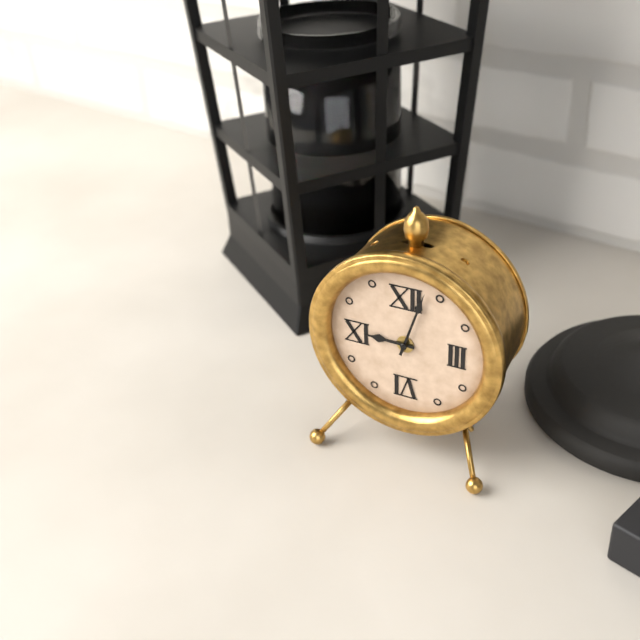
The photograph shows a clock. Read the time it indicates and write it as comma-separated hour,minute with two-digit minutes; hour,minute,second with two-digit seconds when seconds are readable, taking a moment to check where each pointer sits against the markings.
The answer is 9,03
